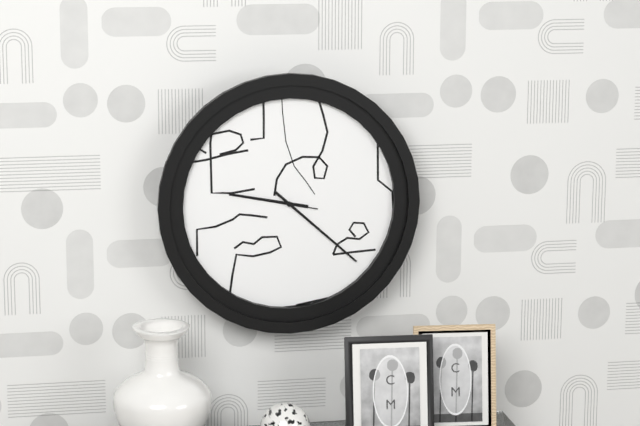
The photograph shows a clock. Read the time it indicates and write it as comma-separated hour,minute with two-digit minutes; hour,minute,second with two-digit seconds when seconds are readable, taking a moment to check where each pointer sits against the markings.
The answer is 9,22,47
